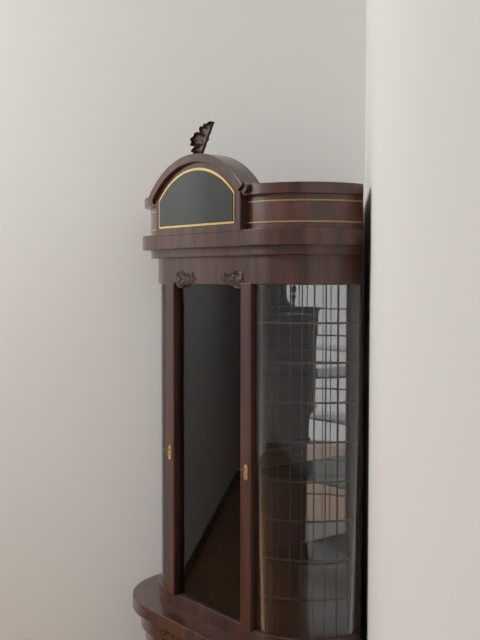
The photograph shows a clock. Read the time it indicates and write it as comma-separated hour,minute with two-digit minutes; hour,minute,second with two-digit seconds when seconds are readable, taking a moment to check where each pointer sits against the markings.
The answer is 11,01
